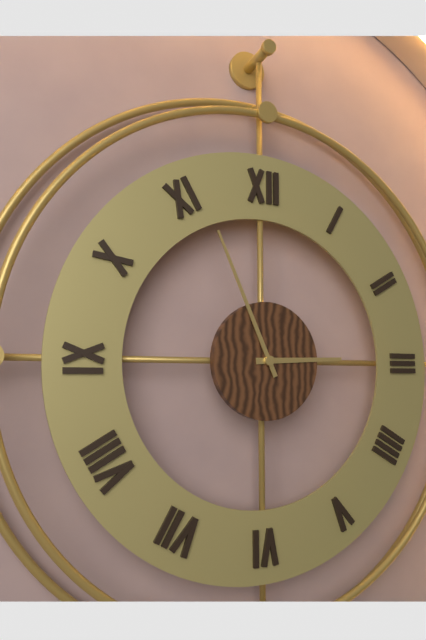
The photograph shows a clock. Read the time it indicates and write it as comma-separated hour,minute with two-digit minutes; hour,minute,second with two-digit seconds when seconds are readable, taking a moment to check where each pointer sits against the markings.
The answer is 2,56
